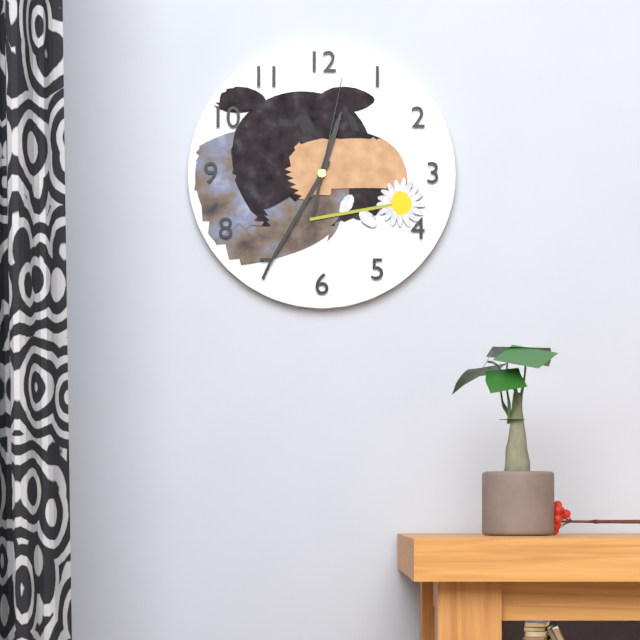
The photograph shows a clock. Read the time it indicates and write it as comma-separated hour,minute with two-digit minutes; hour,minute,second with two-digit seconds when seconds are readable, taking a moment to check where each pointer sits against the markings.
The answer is 12,35,02
